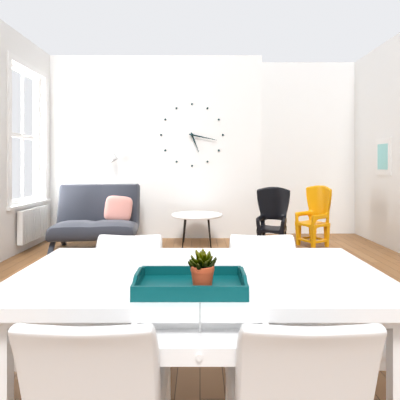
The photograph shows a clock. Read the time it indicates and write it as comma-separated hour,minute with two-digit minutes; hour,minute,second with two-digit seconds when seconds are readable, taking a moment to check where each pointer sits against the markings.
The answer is 5,17
